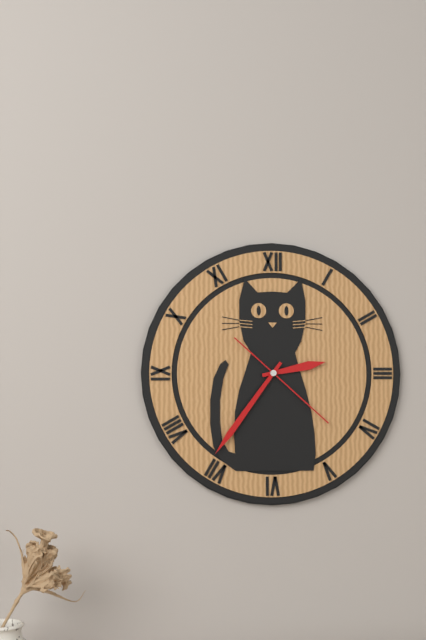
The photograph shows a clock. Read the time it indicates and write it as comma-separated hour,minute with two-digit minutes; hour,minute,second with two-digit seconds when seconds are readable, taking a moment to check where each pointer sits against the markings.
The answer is 2,36,22
